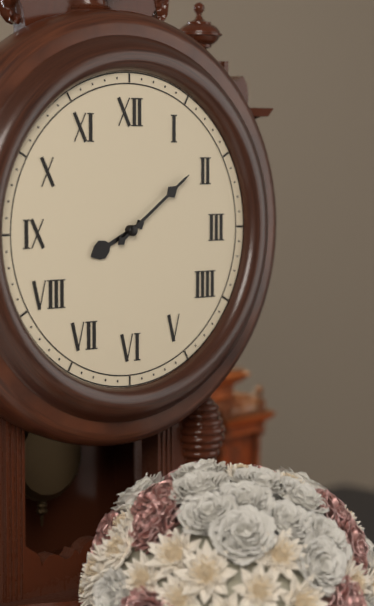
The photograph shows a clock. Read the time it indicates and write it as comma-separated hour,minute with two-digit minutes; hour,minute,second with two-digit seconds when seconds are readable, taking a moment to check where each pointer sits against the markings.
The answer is 8,09
